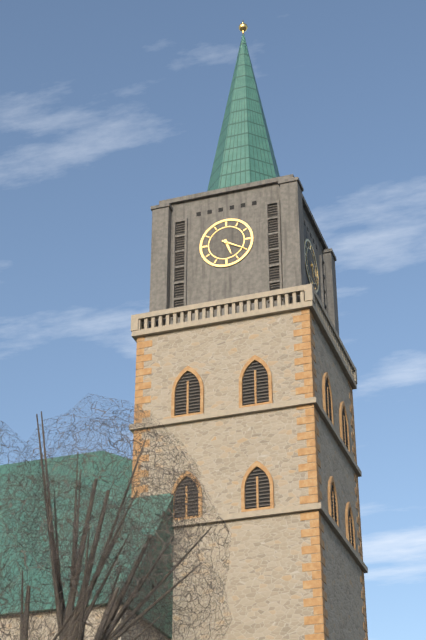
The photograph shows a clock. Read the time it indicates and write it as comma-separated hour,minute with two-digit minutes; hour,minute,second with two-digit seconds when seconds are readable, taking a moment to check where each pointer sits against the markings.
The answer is 5,20
